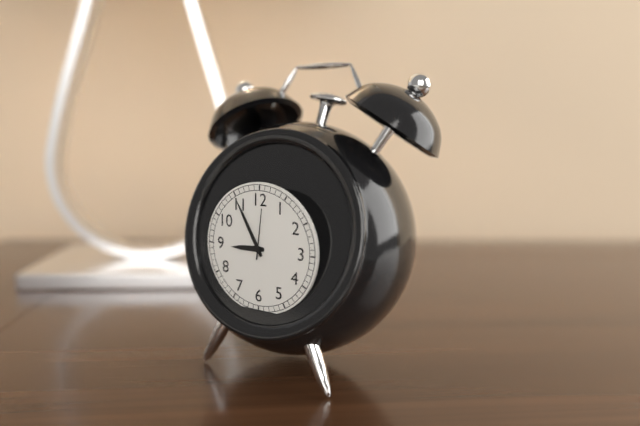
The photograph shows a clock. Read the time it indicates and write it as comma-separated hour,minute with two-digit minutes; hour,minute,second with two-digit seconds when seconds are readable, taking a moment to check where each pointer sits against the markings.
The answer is 8,55,01
